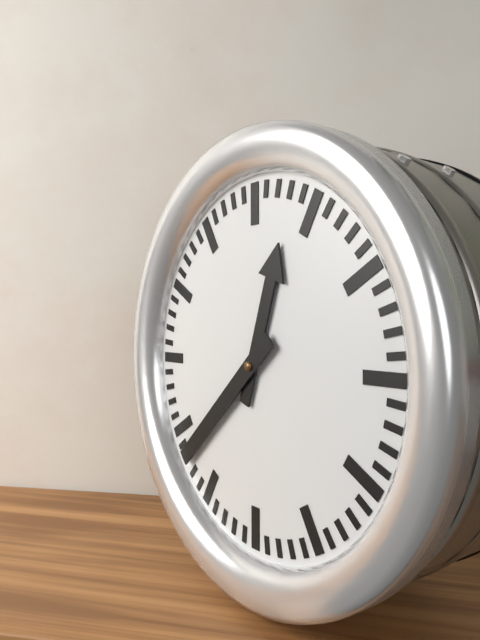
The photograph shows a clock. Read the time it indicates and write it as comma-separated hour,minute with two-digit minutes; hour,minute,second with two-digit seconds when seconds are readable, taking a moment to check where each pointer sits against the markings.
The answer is 12,38
